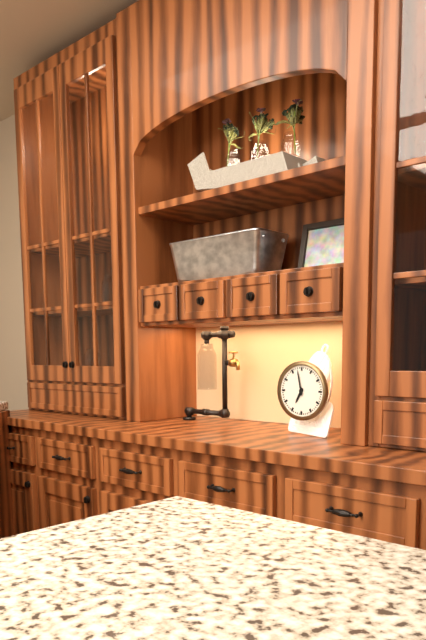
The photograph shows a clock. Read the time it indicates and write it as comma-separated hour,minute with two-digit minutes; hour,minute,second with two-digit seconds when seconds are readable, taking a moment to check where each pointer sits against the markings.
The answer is 6,58
